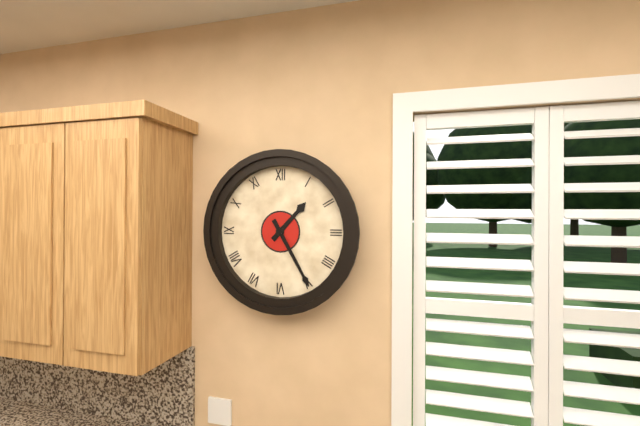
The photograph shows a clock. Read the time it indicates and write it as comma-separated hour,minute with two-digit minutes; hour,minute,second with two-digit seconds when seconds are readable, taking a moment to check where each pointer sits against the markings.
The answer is 1,25
